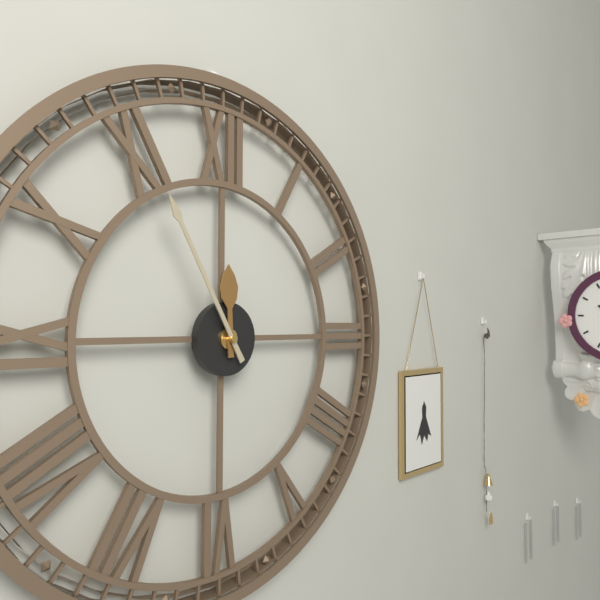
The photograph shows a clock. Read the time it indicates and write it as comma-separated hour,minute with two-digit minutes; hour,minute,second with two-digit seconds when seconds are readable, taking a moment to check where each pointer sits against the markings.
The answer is 11,55
